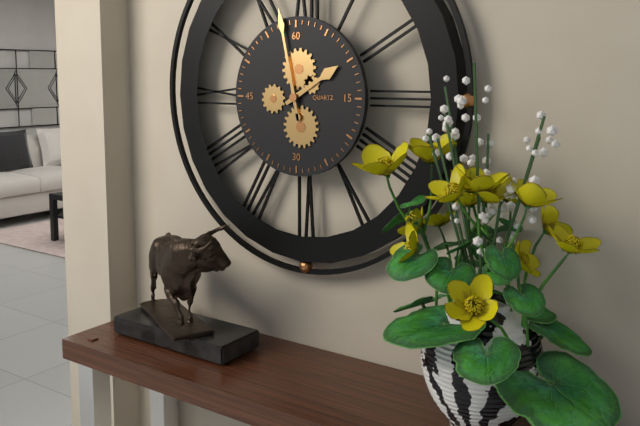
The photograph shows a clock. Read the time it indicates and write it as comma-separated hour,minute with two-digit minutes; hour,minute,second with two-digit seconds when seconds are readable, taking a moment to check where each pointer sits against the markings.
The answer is 1,58
